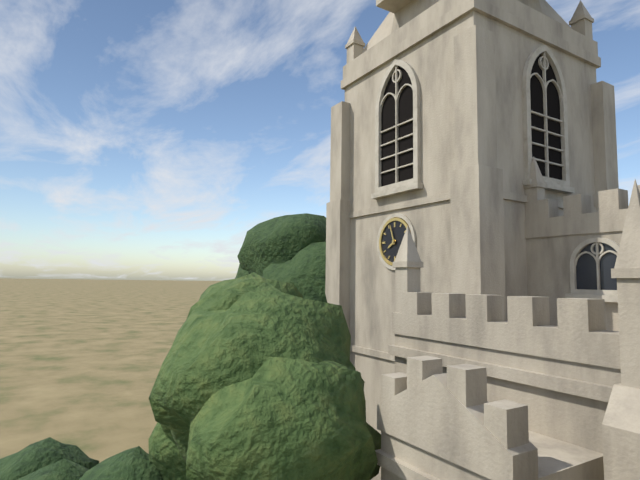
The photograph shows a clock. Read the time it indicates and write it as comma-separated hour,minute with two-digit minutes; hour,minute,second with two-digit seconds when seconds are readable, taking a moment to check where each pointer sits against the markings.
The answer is 7,57
